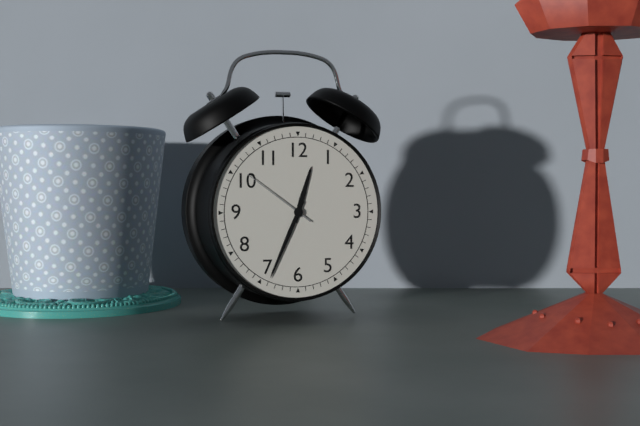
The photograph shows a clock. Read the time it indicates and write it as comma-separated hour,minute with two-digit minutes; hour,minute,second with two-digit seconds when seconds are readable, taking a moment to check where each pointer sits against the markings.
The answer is 12,34,51
